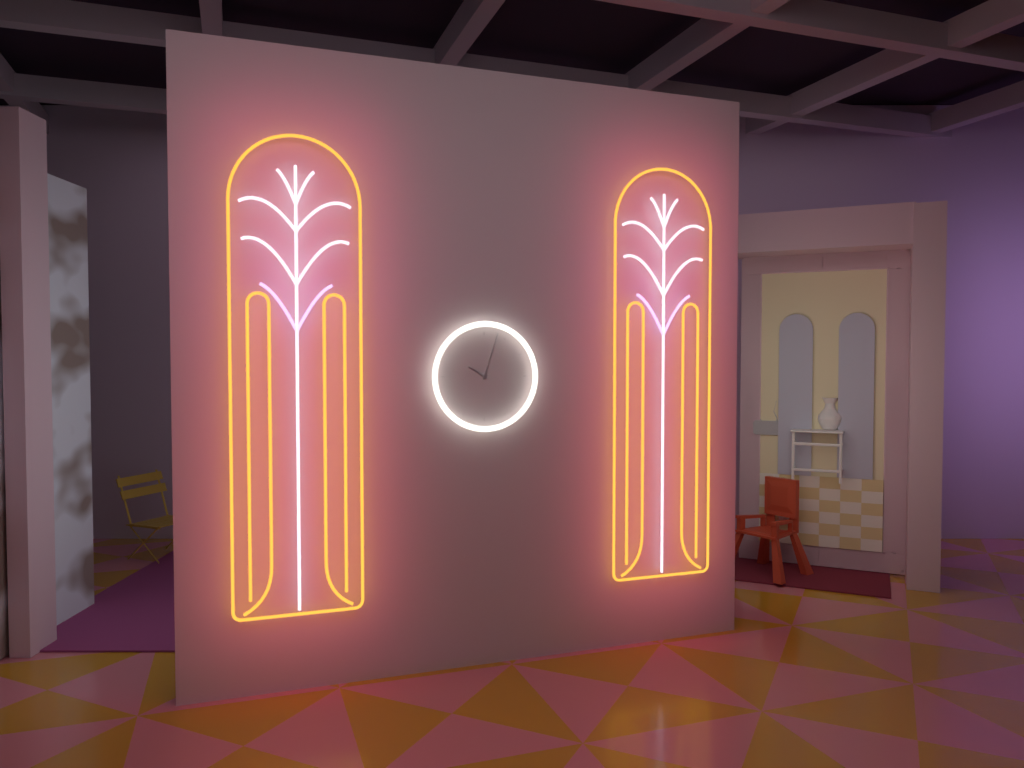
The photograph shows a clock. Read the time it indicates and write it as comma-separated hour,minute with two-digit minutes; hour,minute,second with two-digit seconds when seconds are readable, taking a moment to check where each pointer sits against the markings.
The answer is 10,03
